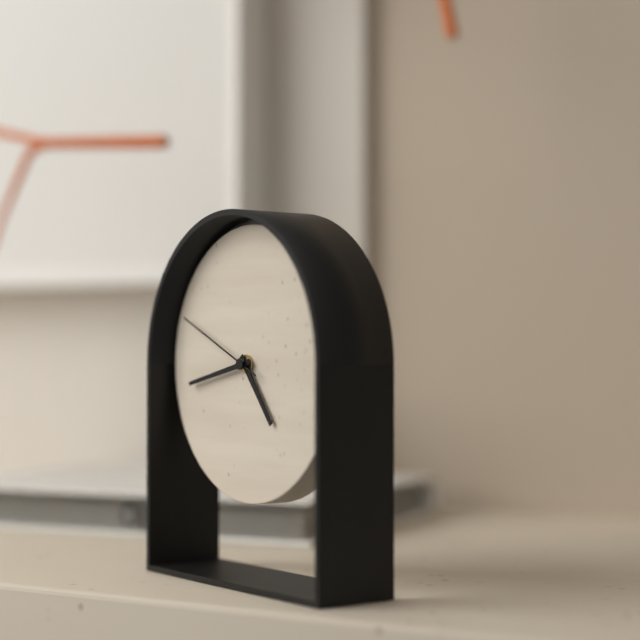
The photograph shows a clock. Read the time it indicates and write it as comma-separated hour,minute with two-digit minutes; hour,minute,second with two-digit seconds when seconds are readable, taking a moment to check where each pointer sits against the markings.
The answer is 4,43,49
